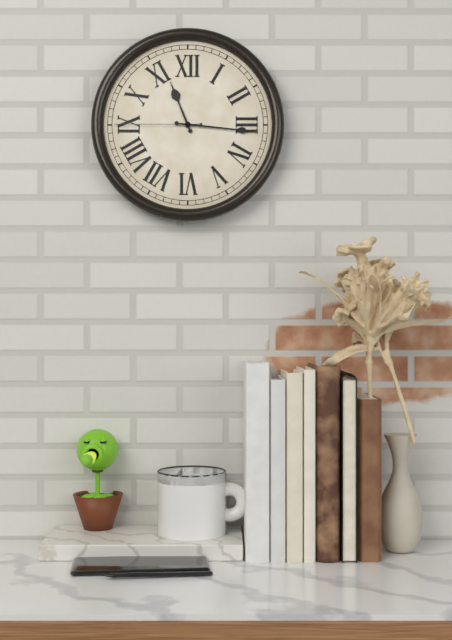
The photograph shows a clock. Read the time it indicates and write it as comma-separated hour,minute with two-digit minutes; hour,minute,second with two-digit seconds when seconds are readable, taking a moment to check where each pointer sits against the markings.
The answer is 11,16,45
